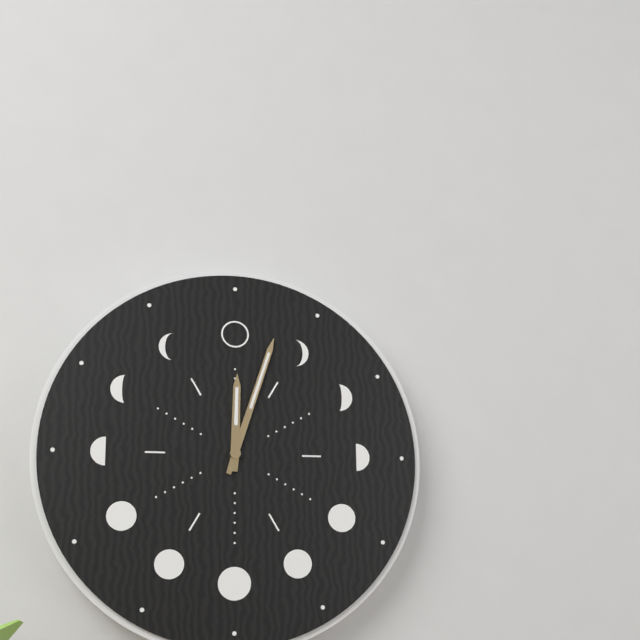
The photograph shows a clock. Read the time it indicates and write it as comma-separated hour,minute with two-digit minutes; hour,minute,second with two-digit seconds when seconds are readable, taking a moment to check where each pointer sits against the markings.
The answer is 12,03
